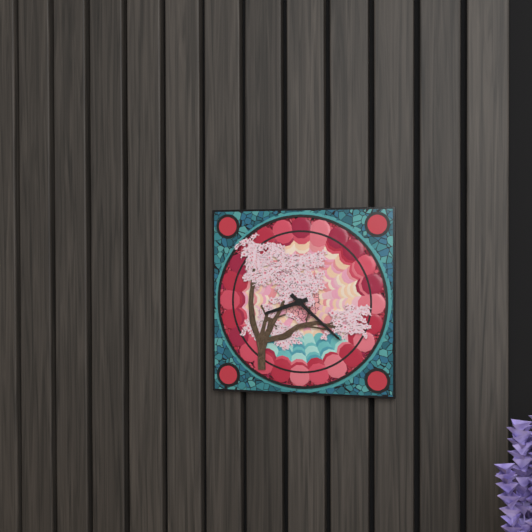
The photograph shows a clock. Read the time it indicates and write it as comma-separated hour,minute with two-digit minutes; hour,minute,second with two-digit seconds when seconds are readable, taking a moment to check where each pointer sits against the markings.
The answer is 8,22
